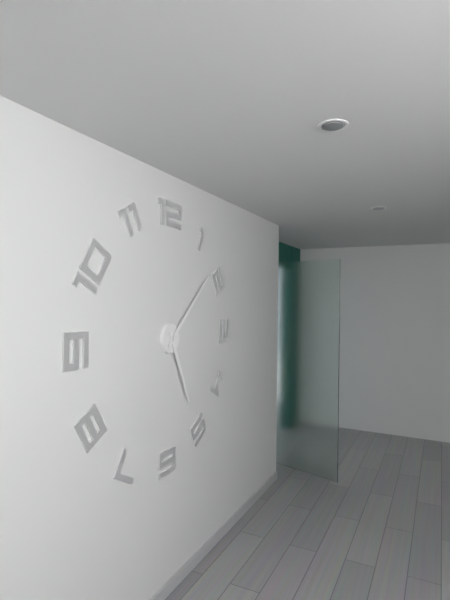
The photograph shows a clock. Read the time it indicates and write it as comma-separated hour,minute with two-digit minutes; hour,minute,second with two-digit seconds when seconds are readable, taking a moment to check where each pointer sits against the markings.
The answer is 5,08
